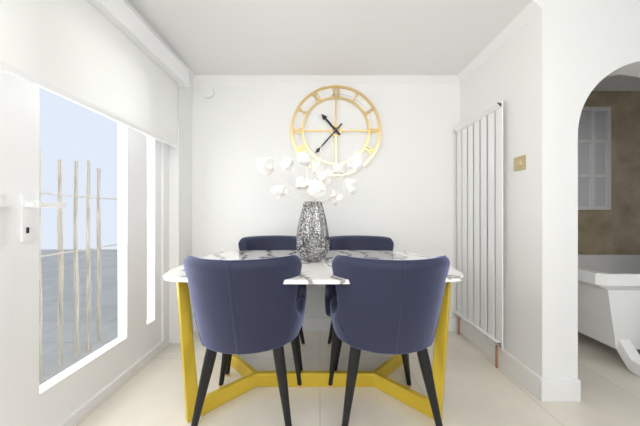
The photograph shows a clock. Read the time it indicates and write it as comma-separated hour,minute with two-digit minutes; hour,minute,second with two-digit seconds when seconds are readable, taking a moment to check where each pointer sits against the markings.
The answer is 10,37
